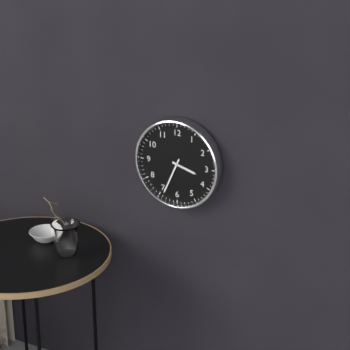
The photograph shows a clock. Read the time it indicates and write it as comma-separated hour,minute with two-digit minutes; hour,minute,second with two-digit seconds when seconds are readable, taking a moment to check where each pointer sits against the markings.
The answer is 3,34
